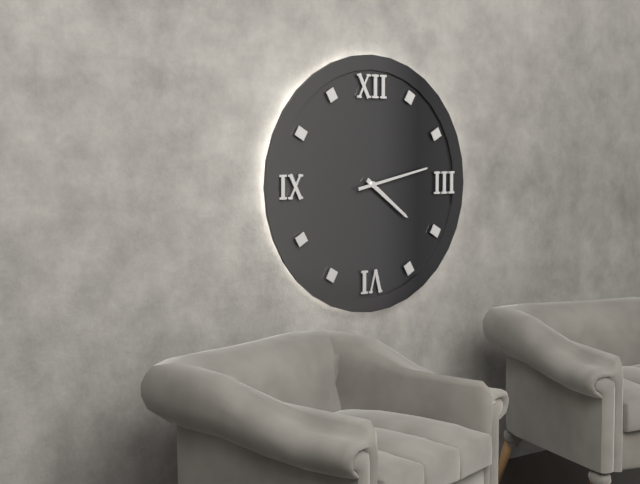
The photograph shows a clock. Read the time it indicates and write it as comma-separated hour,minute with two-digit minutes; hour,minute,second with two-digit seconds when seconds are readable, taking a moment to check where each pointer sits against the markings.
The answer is 4,13
